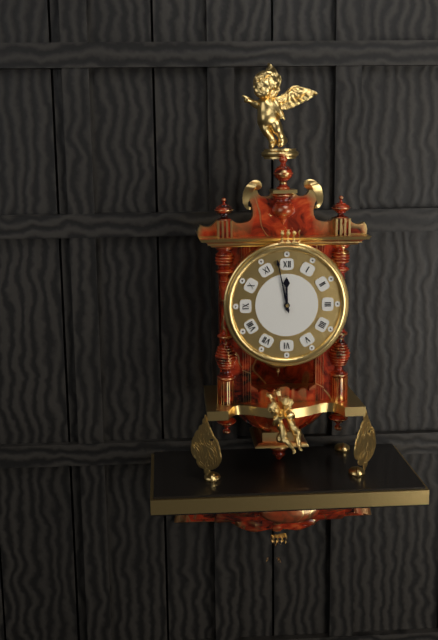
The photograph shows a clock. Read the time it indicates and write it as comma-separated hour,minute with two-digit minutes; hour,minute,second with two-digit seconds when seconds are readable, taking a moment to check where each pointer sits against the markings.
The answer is 11,58
